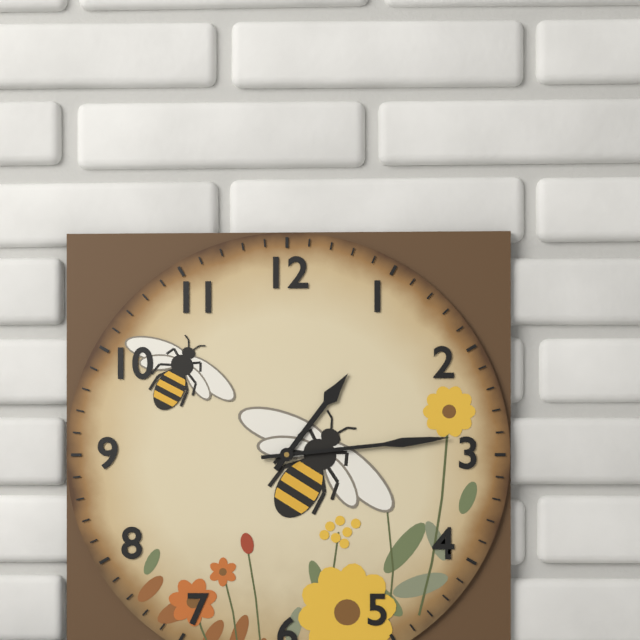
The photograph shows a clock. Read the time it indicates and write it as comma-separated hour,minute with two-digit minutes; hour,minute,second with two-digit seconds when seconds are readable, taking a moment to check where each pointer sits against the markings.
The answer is 1,14
